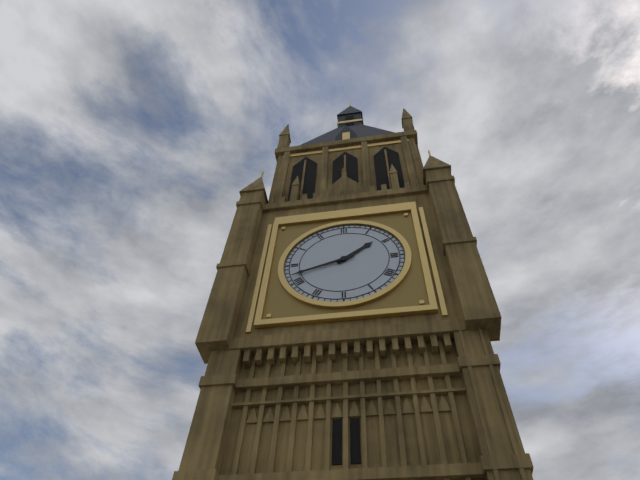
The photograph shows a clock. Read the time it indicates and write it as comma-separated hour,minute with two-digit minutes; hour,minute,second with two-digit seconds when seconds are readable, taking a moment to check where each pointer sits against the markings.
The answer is 1,42
